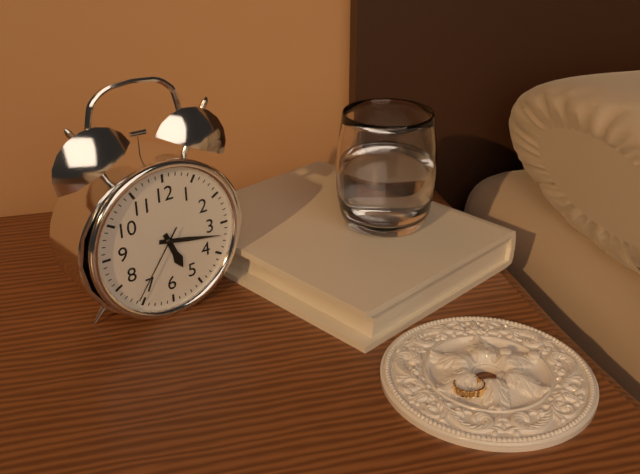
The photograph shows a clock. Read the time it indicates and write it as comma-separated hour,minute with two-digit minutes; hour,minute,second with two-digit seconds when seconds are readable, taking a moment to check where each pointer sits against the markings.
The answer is 5,17,36
